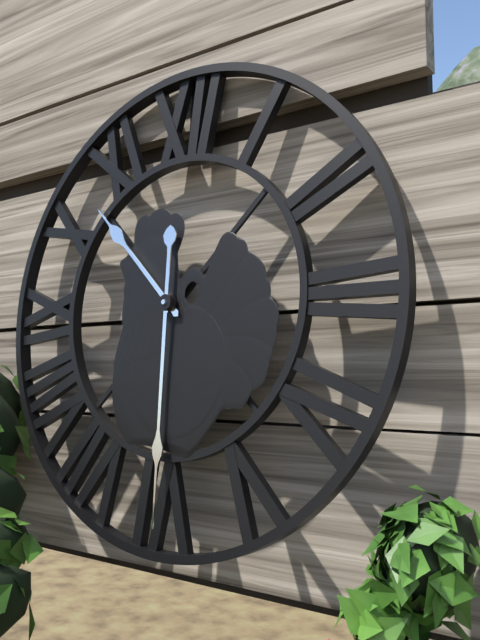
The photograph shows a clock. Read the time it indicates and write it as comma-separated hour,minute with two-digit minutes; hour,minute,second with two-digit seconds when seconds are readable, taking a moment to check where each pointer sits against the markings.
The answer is 10,30
